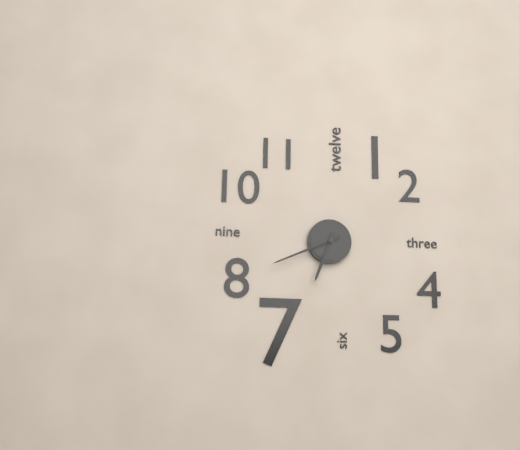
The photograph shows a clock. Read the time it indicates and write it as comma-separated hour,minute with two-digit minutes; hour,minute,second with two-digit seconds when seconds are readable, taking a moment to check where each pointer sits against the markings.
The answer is 6,41
